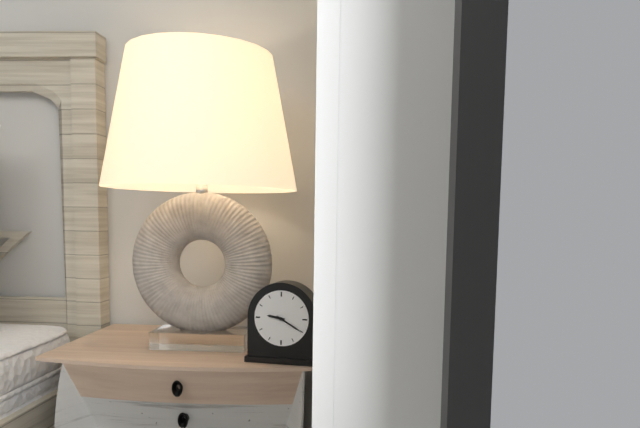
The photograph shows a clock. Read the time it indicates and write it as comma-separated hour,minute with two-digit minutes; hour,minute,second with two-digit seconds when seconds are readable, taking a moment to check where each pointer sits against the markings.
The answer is 9,20
